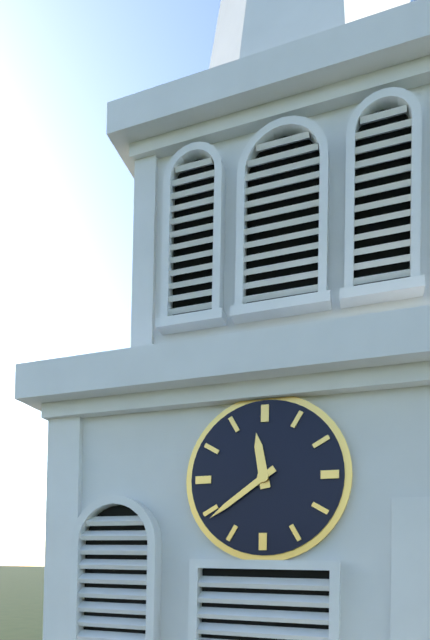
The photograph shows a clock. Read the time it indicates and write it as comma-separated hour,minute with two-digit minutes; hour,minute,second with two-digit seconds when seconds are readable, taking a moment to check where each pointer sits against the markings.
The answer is 11,39
